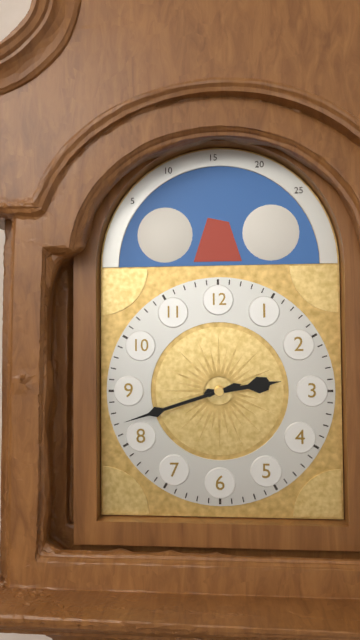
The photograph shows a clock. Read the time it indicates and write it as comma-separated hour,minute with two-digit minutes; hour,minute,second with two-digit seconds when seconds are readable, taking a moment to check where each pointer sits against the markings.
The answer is 2,42
